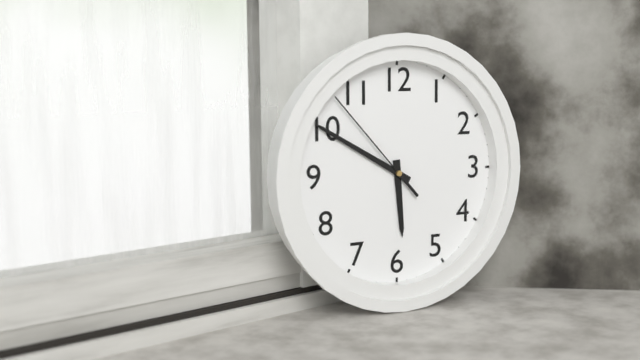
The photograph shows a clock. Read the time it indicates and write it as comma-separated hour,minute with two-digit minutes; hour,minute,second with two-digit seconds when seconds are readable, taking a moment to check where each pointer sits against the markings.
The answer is 5,50,53
